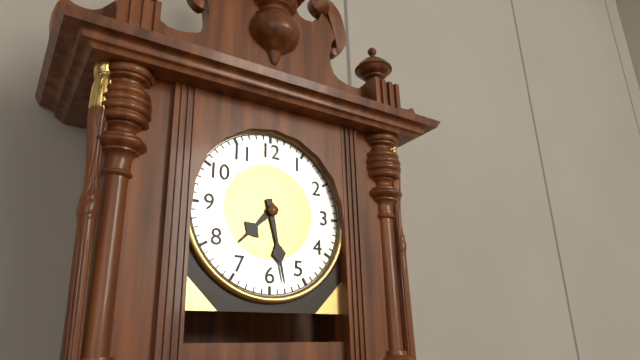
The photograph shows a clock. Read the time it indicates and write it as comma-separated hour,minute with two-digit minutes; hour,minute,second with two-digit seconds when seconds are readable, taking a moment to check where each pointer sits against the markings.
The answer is 7,28
